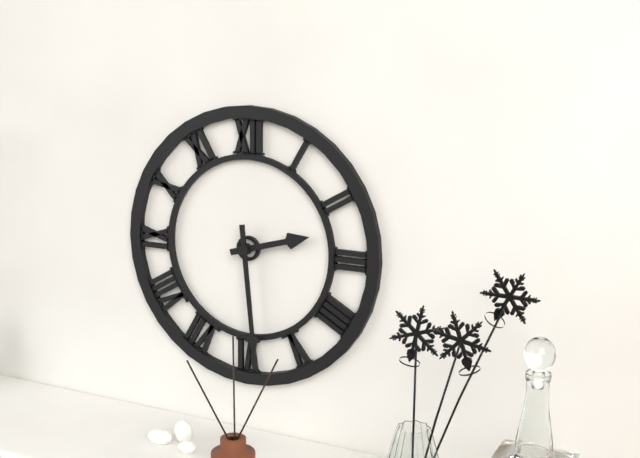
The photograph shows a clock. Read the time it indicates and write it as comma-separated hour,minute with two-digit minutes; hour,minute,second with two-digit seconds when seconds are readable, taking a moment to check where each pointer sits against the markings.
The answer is 2,29
